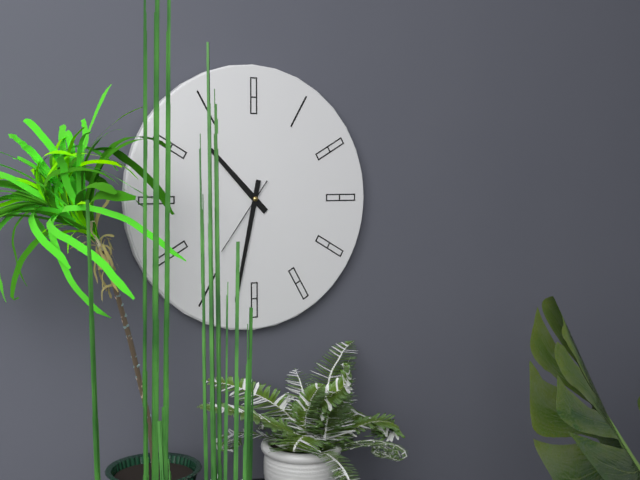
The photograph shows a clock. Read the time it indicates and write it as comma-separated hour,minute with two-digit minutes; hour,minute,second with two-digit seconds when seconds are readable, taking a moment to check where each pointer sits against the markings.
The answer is 10,32,36
